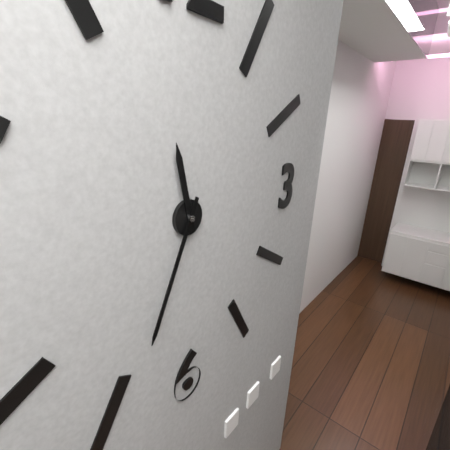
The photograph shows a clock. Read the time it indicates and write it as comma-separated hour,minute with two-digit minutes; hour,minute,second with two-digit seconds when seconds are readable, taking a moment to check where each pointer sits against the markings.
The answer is 11,34
